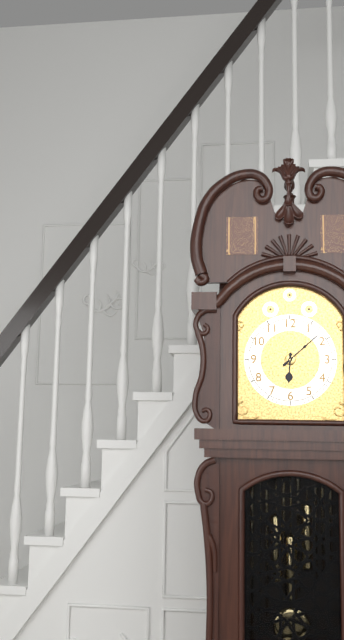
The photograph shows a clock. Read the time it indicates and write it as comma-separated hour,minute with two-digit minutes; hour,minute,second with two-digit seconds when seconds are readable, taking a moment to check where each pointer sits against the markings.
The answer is 6,08
